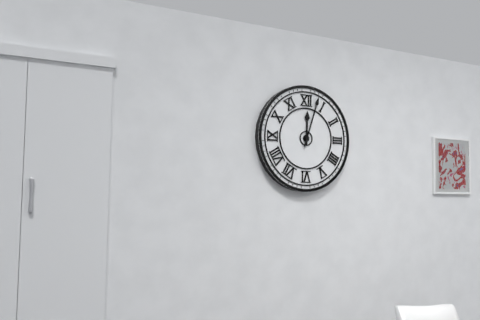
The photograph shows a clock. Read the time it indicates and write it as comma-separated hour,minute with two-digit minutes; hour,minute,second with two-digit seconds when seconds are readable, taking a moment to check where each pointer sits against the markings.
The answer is 12,03
